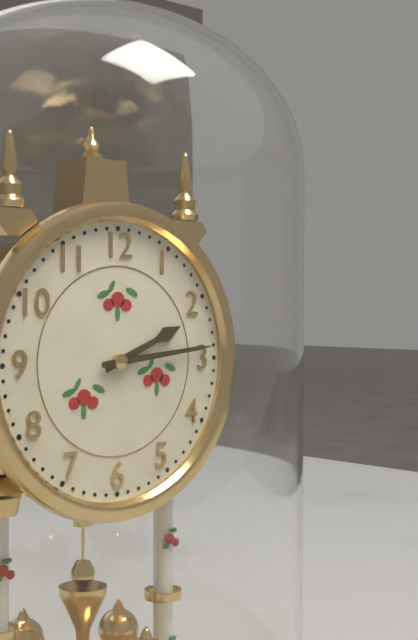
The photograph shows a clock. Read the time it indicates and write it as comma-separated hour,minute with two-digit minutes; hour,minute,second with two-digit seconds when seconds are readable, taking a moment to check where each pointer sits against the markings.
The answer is 2,14
